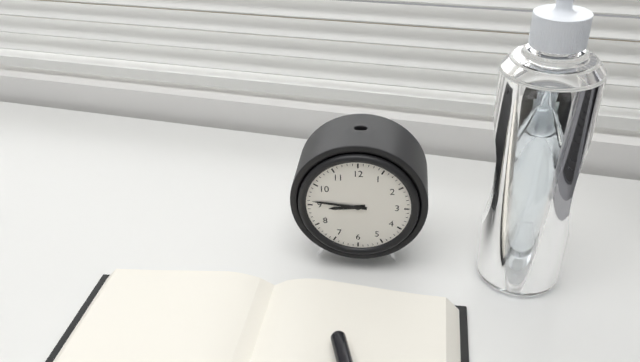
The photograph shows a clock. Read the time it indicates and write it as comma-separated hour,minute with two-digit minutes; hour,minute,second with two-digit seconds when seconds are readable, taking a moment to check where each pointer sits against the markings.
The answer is 8,46
